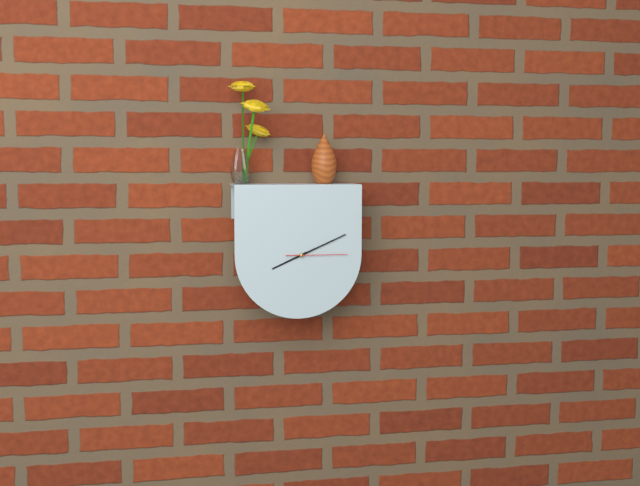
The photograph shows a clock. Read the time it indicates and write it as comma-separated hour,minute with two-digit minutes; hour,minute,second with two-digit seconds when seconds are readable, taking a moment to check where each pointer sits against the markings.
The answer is 8,11,15
